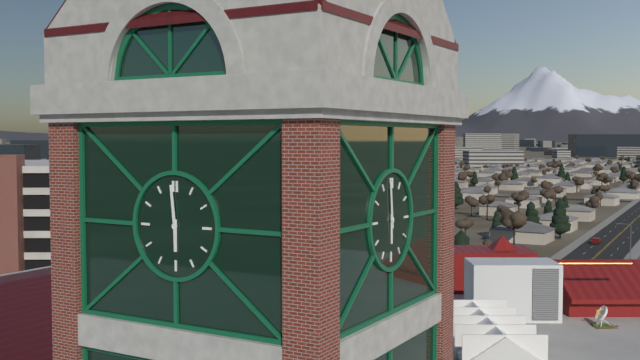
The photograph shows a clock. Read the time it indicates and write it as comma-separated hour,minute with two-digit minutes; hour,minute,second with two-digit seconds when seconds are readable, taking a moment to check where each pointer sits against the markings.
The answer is 5,59
